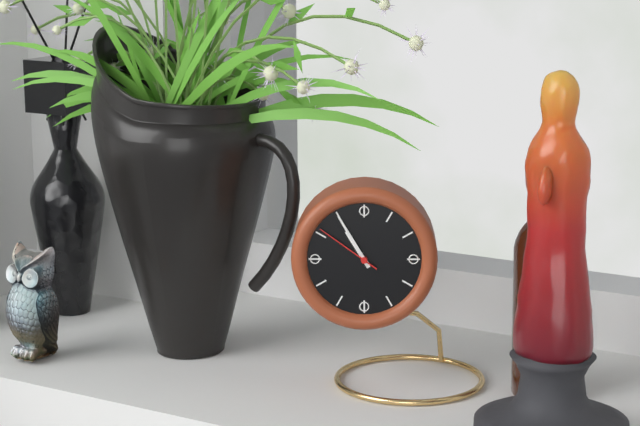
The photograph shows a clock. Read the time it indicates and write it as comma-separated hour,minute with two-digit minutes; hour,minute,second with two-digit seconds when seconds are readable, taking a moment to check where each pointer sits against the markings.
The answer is 10,55,51
